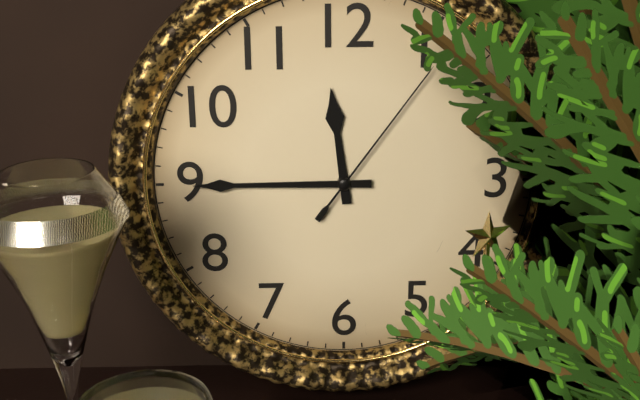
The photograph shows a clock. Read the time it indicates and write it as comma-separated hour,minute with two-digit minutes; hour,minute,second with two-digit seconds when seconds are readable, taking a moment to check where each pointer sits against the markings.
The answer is 11,45,06
